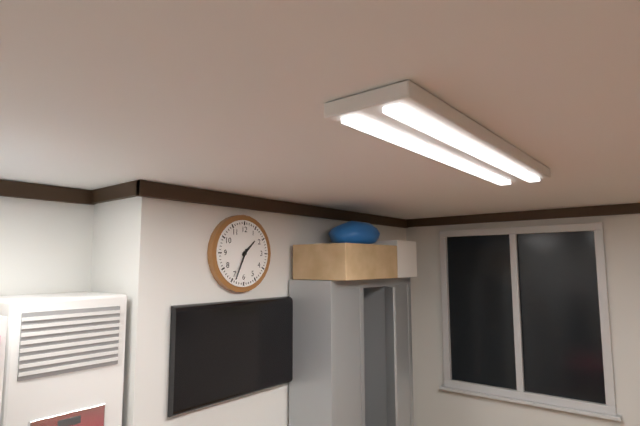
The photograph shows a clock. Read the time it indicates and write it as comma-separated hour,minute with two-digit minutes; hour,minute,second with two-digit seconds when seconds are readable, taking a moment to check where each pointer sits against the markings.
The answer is 1,34
